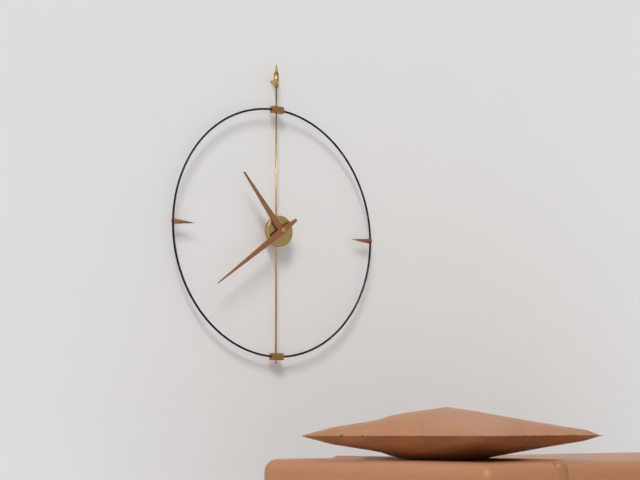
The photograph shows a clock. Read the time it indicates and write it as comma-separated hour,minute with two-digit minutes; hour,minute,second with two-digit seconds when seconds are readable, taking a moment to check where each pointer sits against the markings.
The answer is 10,39
